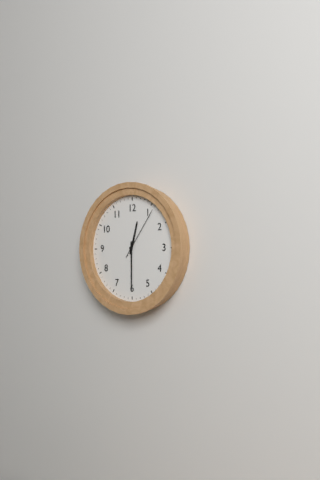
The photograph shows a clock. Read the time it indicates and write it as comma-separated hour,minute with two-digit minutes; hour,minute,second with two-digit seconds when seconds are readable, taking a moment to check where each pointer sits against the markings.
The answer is 12,30,06
